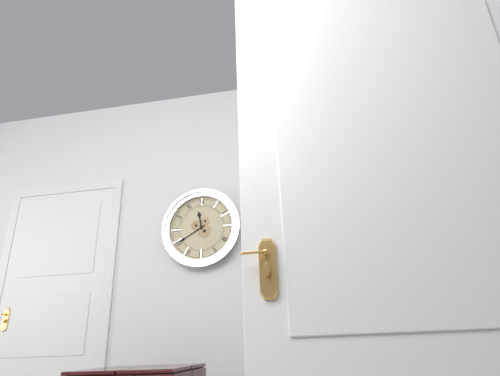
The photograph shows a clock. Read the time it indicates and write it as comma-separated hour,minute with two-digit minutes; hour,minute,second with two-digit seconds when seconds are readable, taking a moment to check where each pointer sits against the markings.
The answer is 11,40
